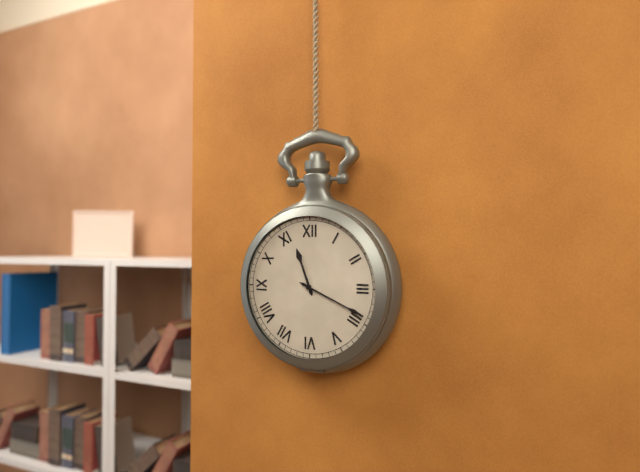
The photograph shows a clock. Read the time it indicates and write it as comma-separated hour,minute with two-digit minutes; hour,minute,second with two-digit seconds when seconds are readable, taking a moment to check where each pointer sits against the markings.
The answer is 11,19
